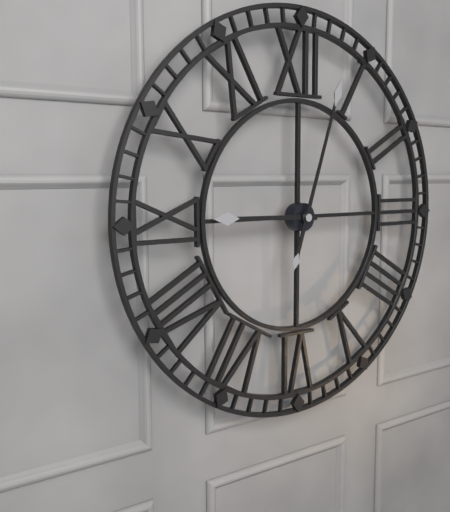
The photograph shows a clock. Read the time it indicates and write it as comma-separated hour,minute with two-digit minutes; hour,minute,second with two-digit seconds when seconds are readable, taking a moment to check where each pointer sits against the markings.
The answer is 9,03
